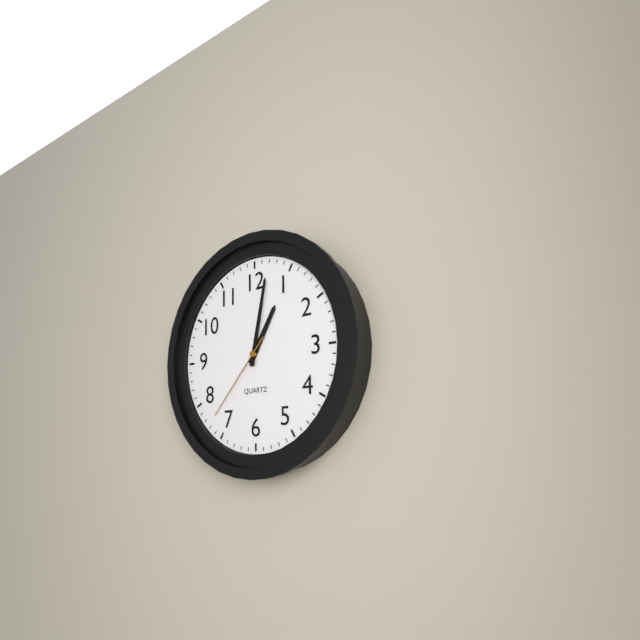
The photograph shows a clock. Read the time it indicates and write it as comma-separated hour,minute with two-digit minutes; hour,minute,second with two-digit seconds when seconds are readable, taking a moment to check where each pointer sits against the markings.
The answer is 1,02,37
